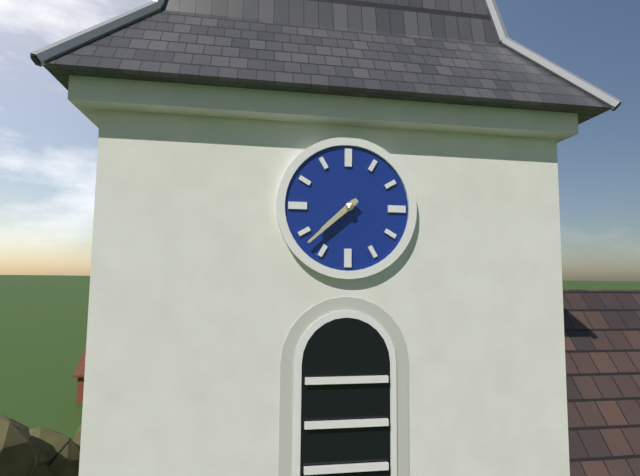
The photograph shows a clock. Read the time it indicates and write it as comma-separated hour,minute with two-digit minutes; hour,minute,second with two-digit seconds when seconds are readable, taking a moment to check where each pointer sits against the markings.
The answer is 7,38
